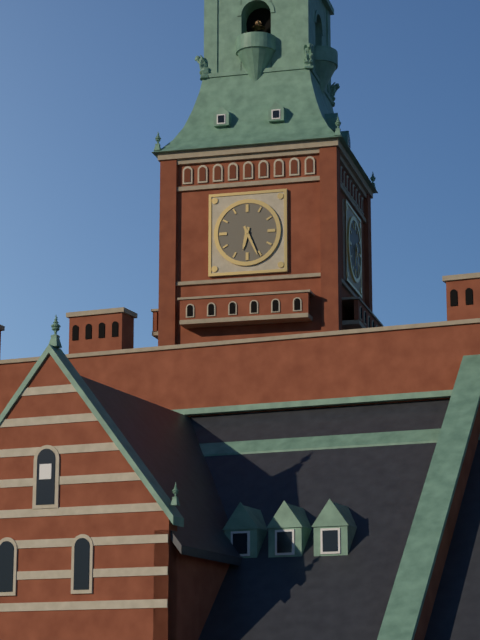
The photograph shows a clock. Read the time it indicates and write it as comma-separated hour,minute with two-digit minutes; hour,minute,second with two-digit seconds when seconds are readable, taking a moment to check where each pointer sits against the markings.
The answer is 6,26
